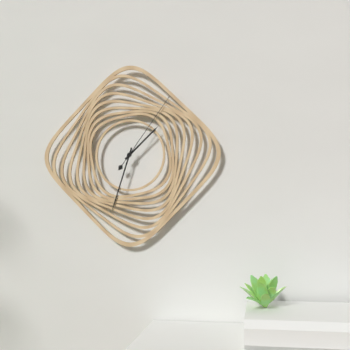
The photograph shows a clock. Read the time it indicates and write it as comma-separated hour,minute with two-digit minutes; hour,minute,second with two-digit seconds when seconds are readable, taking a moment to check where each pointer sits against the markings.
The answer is 1,33,06
